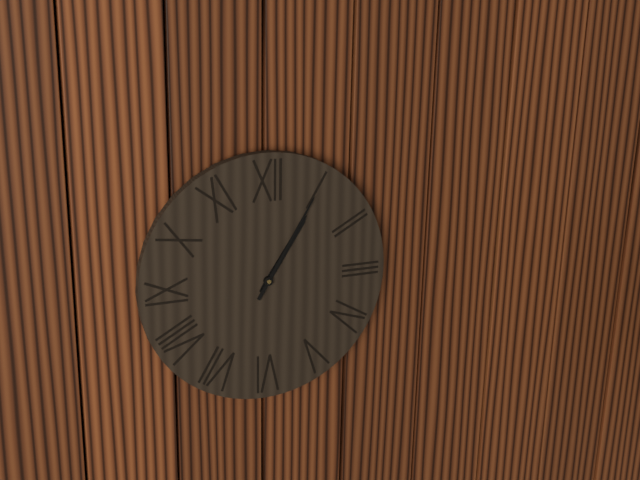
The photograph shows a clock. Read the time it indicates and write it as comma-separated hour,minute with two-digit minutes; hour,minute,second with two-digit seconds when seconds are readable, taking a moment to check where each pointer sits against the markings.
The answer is 1,05
